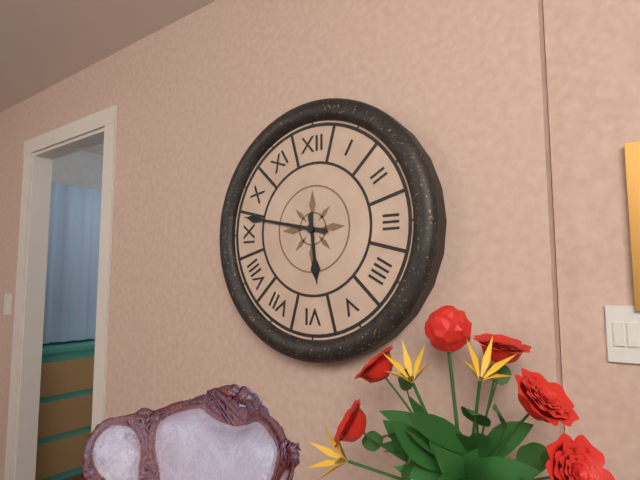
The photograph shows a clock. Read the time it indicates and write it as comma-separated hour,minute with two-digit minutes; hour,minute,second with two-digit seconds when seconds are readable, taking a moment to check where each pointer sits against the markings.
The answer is 5,47
